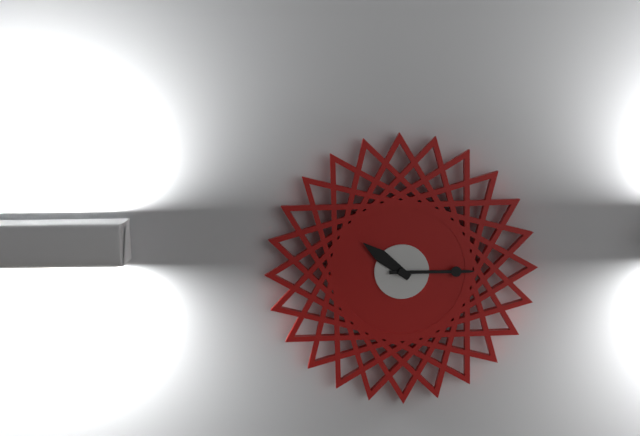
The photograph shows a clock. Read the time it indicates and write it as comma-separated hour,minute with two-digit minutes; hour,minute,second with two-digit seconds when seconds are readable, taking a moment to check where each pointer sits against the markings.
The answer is 10,15
